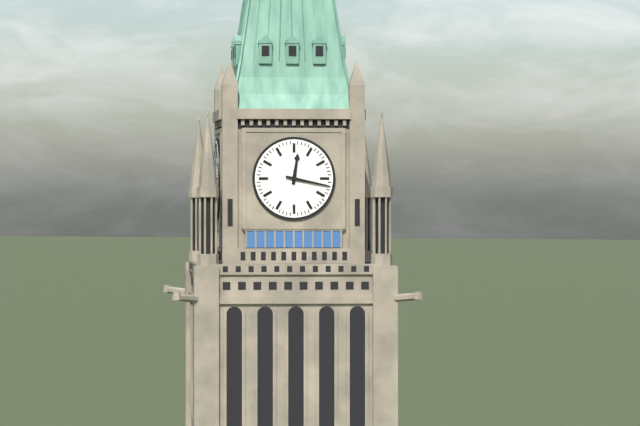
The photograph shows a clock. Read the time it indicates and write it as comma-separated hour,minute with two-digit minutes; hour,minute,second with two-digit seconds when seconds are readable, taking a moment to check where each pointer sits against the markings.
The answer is 12,17
